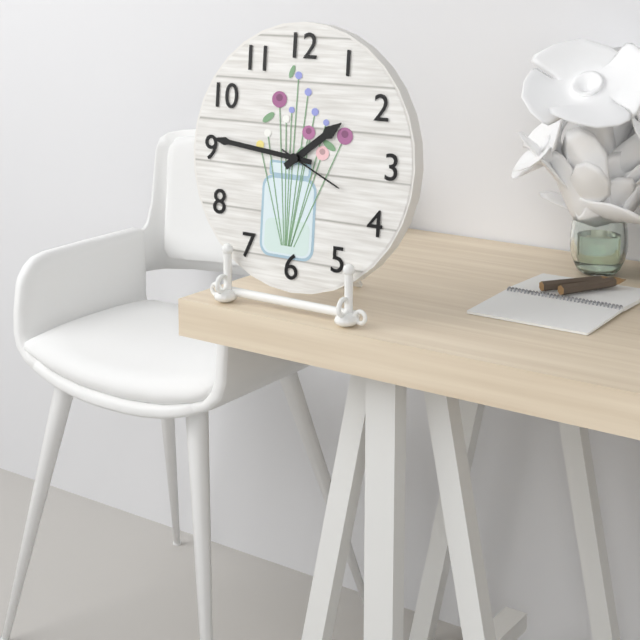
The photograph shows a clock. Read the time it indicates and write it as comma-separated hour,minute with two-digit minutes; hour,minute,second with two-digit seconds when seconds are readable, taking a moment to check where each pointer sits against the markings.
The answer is 1,46,19
